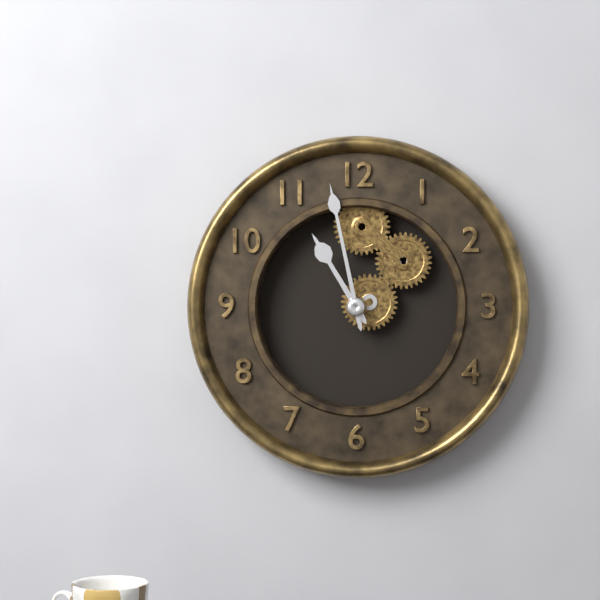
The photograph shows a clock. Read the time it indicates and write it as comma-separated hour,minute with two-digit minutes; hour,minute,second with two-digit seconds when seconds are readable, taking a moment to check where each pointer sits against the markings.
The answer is 10,58
